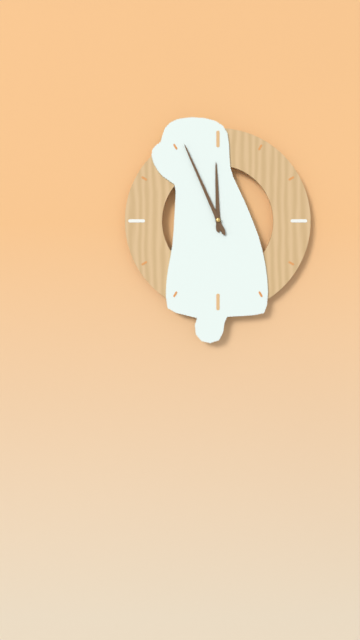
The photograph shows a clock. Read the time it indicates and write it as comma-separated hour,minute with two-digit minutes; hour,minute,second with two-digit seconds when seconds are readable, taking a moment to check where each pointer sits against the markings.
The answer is 11,56
